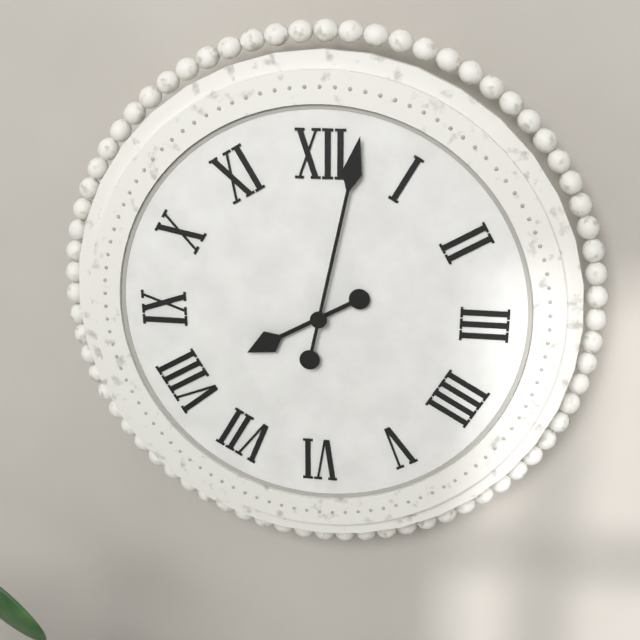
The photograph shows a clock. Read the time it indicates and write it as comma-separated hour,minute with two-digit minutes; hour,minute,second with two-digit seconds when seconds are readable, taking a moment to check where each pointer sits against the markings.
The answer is 8,02
